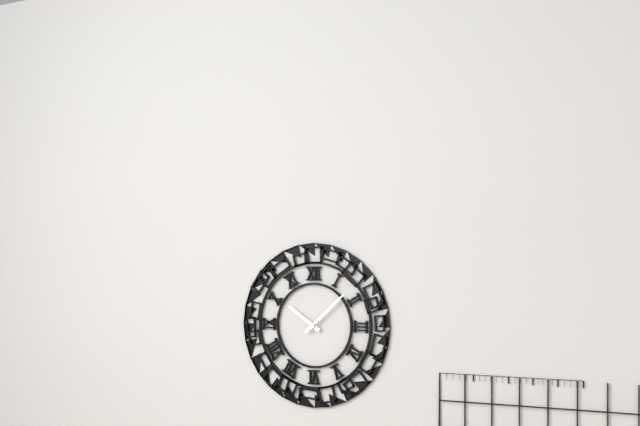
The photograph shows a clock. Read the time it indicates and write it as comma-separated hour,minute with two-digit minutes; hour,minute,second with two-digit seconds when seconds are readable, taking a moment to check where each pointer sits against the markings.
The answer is 10,08
